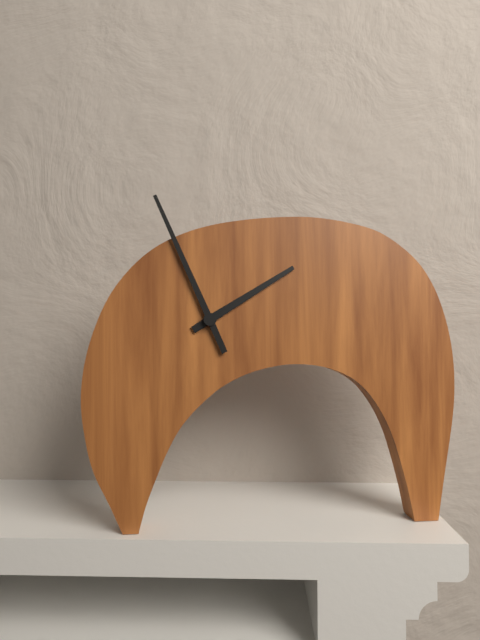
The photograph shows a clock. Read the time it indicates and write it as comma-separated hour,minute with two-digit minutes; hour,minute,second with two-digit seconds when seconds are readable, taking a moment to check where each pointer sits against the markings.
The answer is 1,56
